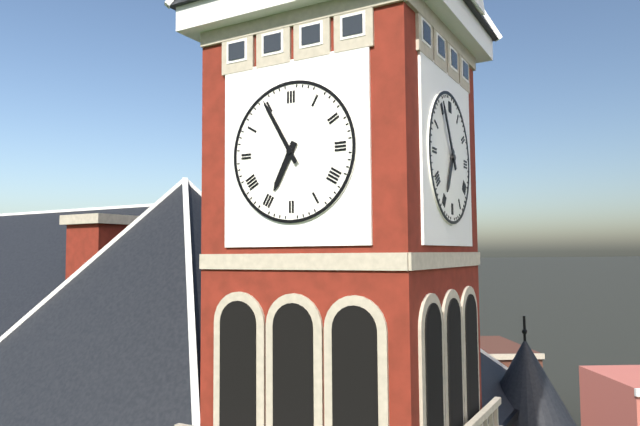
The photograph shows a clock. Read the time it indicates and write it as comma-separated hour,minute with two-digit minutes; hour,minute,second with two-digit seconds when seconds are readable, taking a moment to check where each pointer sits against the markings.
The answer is 6,55
